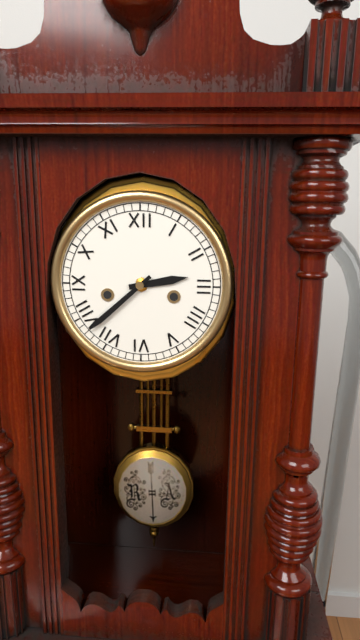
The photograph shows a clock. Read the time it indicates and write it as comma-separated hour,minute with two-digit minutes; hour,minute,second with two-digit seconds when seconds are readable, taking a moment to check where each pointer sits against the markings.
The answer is 2,38
